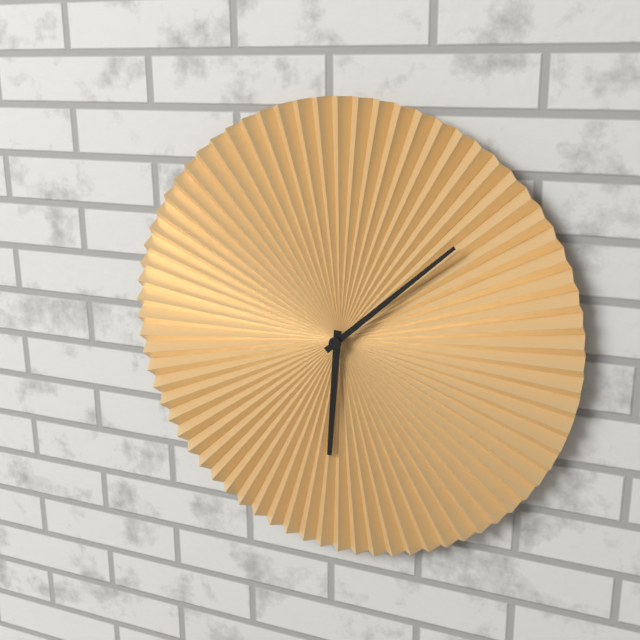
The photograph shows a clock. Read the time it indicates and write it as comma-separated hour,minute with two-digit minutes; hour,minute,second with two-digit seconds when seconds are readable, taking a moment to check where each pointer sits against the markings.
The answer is 6,08
